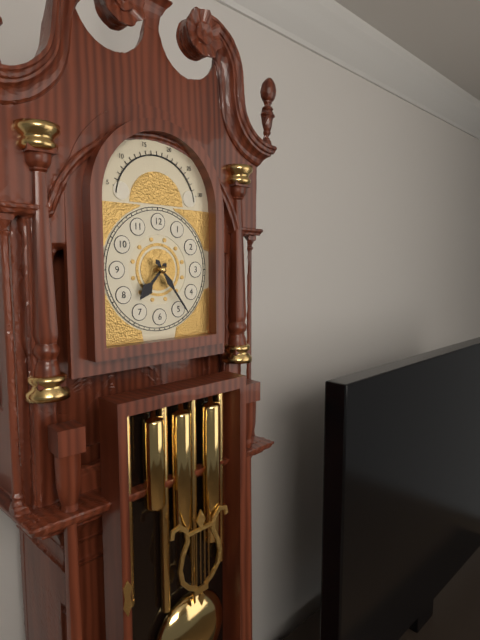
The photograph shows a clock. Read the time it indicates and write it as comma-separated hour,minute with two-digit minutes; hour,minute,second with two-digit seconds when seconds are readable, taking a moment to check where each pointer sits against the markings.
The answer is 7,24
